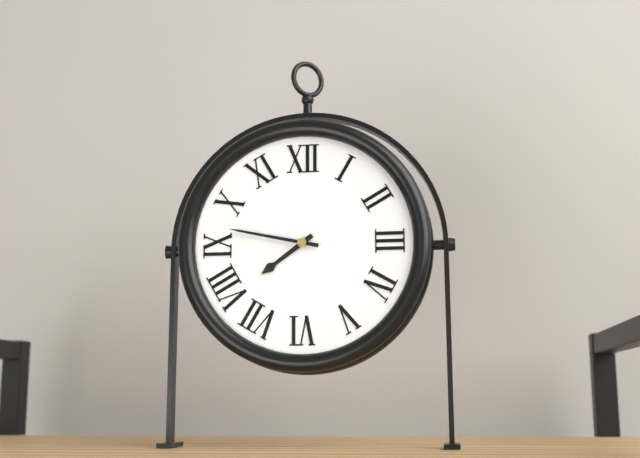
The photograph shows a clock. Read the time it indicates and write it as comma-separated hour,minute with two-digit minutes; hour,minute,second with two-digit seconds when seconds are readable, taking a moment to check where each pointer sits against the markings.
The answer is 7,47
